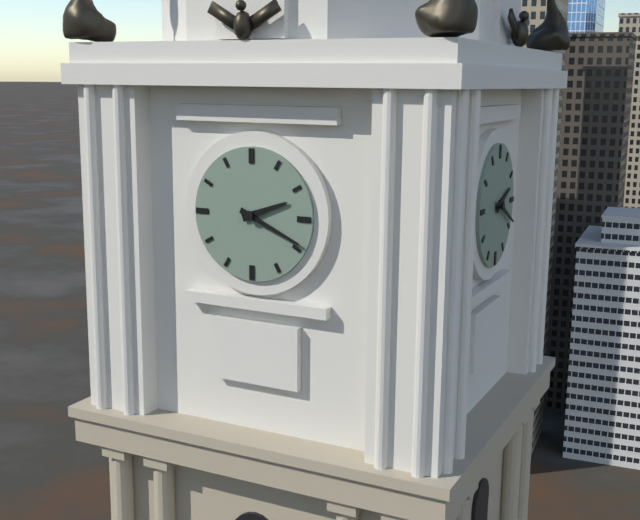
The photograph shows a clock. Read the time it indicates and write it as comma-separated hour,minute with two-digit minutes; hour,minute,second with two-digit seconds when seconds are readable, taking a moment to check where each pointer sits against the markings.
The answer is 2,19
